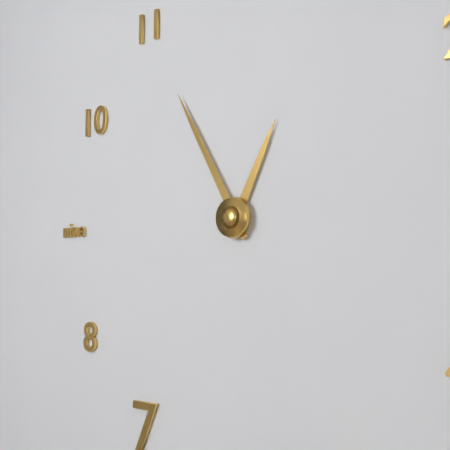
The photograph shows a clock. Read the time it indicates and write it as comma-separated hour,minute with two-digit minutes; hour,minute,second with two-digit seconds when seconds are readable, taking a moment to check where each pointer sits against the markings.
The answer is 12,55
